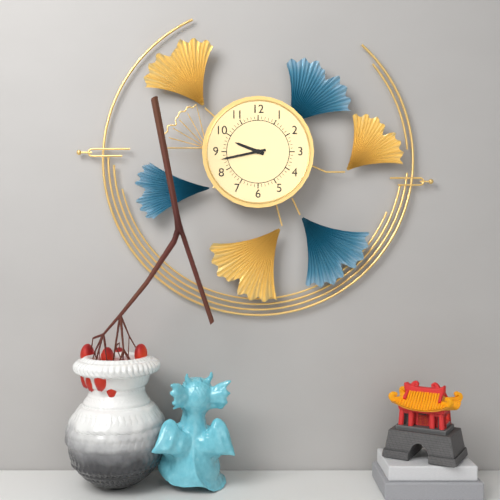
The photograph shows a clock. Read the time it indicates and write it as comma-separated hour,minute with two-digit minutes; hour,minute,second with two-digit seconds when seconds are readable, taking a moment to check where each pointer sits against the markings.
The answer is 9,43
